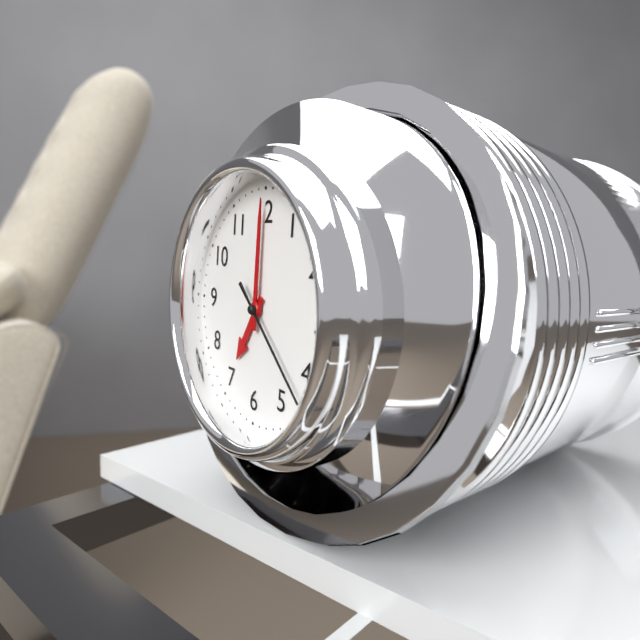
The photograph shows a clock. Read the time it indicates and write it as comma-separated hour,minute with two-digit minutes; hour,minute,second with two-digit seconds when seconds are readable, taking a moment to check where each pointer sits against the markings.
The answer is 7,00,22
